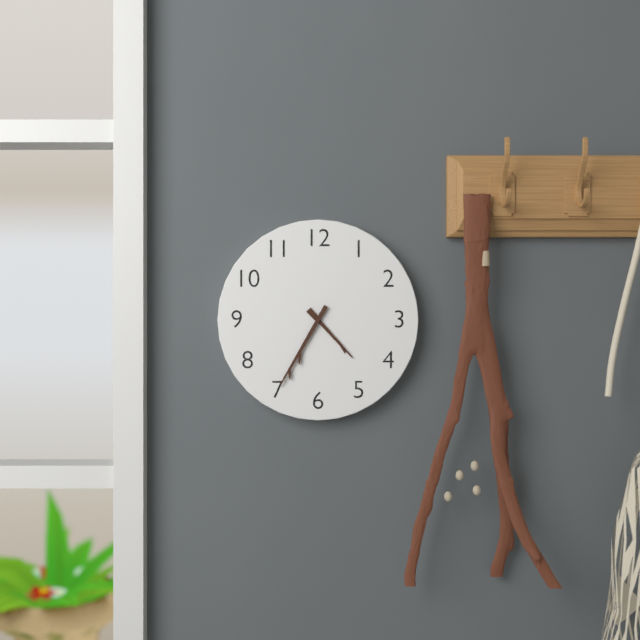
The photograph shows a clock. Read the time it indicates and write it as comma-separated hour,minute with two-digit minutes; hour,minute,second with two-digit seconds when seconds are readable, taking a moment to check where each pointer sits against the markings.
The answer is 4,35
